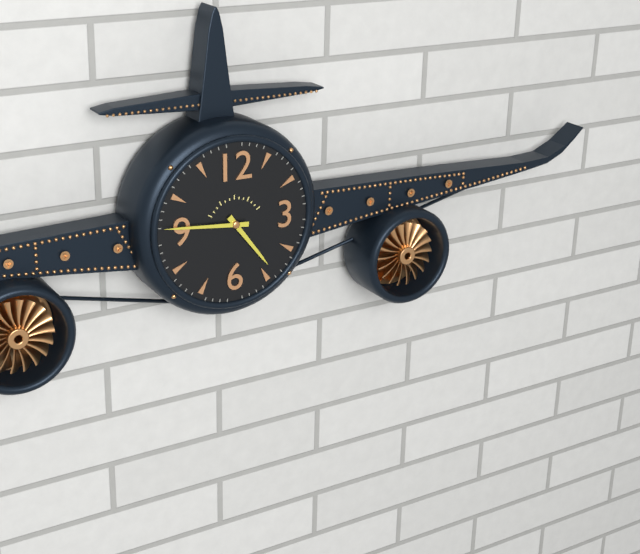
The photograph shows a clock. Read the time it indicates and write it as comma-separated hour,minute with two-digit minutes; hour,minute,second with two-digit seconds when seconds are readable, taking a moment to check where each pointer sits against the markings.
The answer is 4,46
